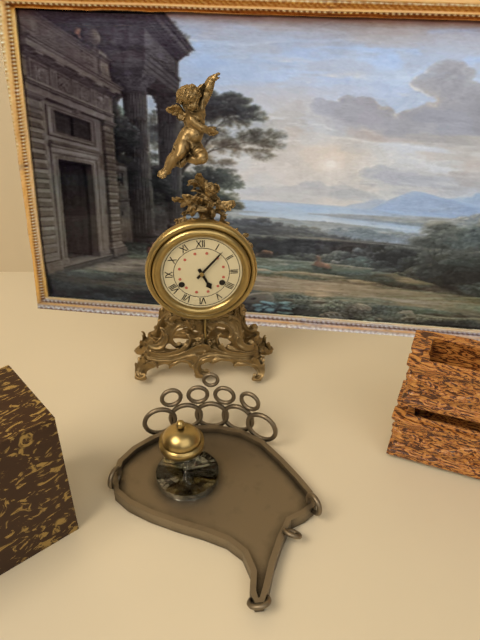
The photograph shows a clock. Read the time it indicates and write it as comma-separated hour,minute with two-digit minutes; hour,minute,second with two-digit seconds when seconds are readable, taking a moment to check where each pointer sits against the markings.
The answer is 5,07
